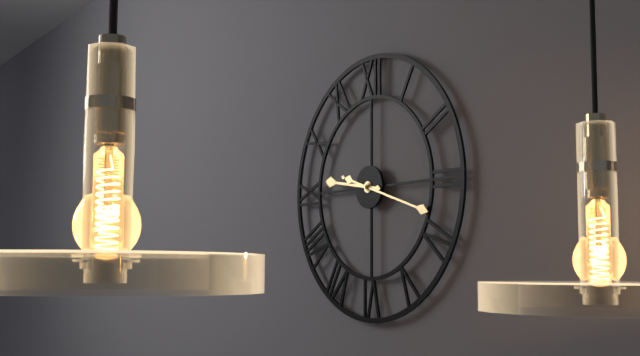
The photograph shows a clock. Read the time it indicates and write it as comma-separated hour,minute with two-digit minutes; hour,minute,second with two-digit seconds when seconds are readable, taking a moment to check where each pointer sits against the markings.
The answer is 9,18
